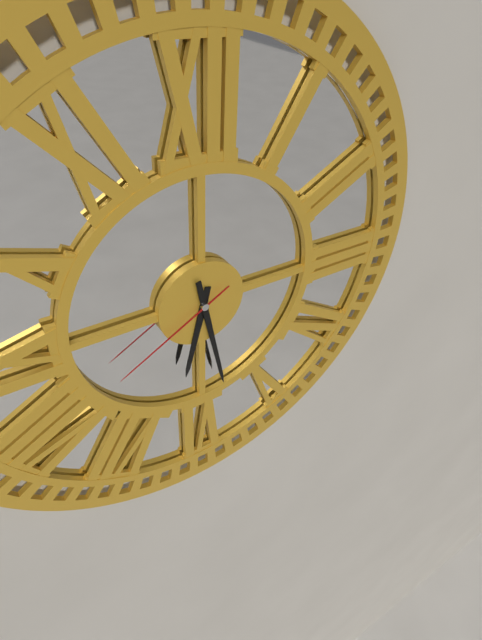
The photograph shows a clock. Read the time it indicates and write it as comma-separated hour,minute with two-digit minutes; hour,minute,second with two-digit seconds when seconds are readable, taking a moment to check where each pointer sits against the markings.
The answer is 6,28,40
